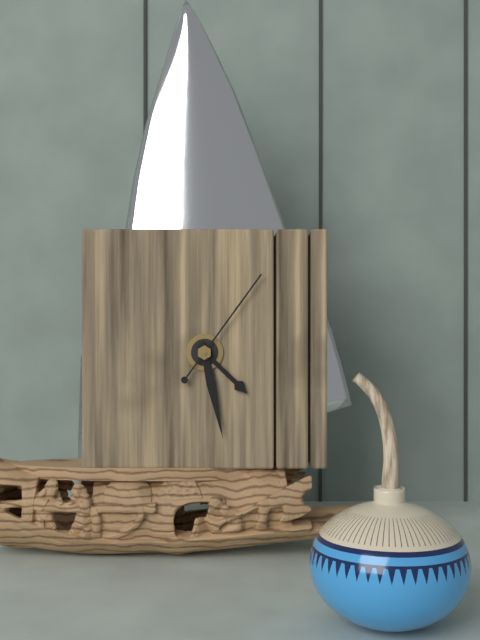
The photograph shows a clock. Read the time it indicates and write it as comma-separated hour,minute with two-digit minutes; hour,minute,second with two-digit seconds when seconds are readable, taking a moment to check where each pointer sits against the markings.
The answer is 4,28,06
